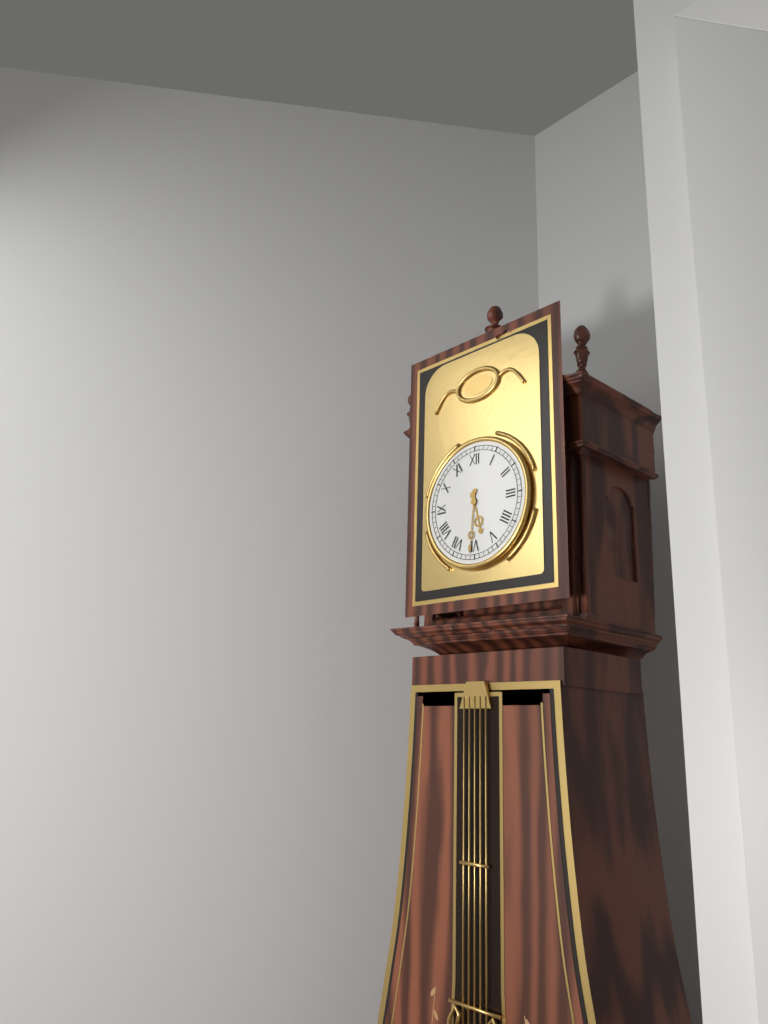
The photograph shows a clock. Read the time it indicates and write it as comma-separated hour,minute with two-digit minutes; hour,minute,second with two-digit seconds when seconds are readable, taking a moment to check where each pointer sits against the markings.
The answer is 5,31
